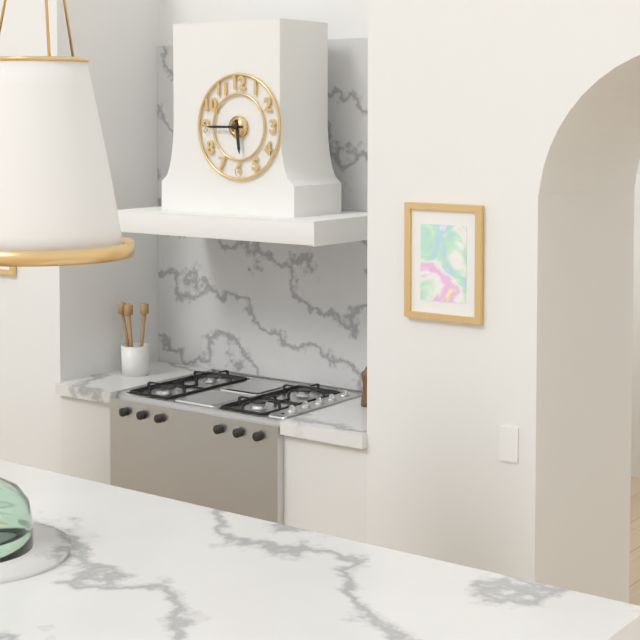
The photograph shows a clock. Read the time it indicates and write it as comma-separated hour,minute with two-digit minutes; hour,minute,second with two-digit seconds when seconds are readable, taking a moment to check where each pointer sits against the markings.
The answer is 5,45
